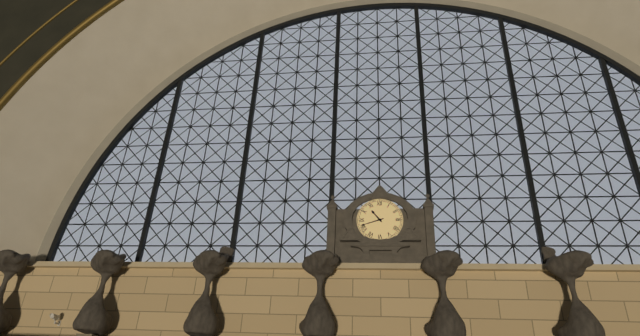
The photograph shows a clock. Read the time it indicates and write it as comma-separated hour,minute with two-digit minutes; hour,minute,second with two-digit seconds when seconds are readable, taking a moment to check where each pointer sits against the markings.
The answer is 10,42
